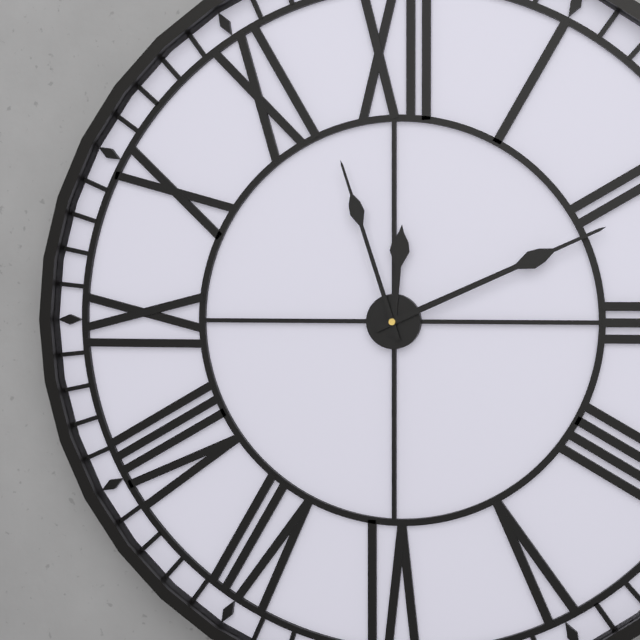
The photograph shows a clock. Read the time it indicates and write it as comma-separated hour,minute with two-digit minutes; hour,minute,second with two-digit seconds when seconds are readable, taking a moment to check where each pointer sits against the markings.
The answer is 12,11,57
